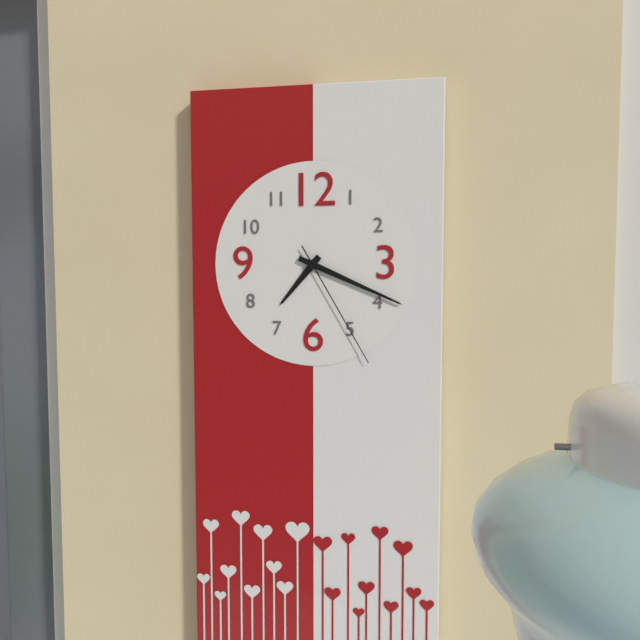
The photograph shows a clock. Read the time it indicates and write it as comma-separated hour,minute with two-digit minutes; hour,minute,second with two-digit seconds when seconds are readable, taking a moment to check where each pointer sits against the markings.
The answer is 7,19,25
